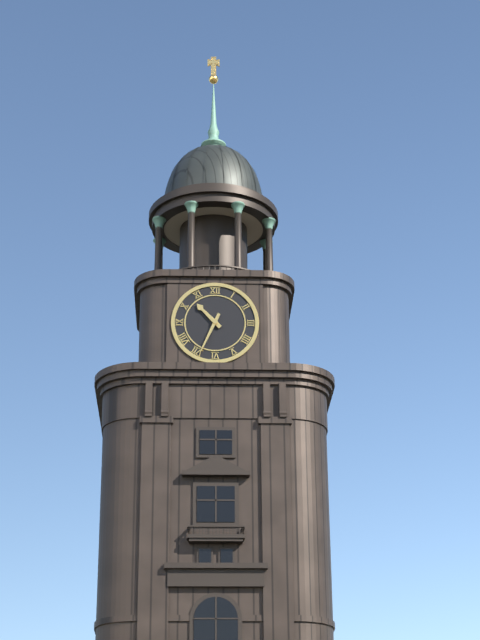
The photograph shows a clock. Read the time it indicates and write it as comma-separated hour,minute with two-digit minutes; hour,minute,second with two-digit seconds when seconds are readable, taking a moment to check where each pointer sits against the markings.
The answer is 10,34
